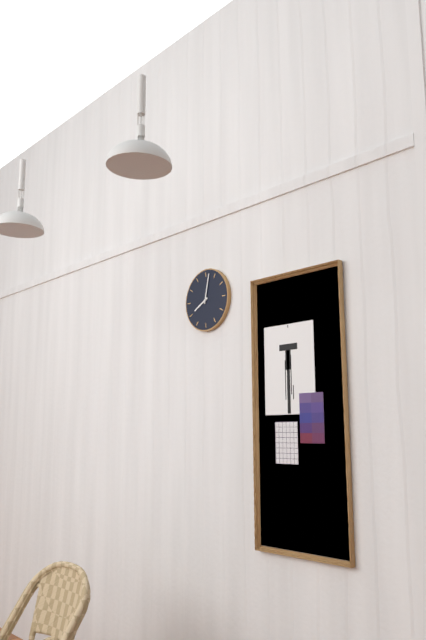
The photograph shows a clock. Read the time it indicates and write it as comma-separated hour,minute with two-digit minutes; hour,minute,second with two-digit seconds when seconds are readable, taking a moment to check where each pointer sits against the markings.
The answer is 8,02
